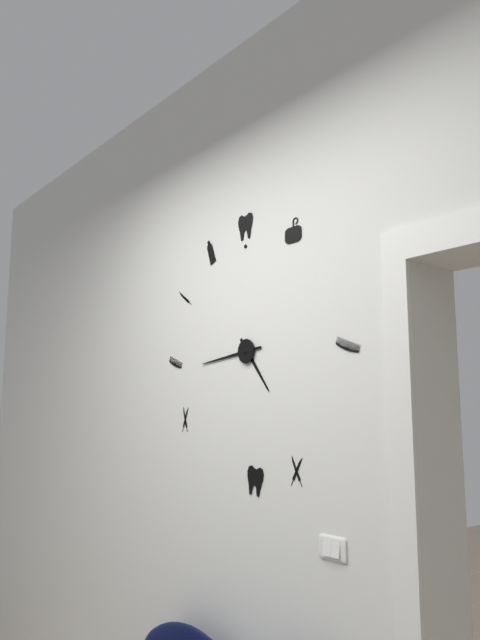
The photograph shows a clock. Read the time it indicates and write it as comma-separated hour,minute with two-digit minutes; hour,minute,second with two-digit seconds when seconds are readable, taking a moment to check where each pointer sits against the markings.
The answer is 4,44
